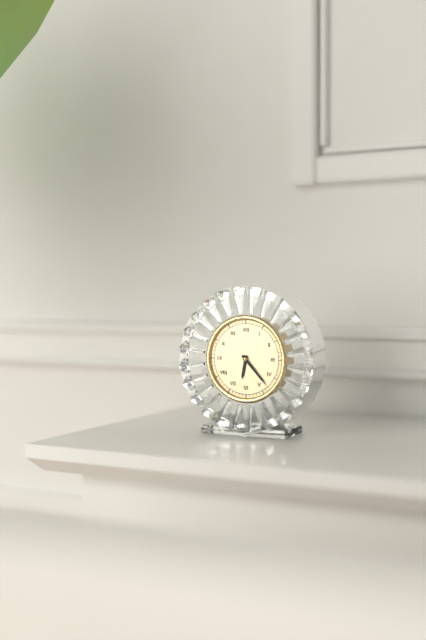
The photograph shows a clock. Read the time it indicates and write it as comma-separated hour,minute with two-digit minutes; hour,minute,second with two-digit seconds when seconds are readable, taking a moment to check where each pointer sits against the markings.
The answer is 6,23
